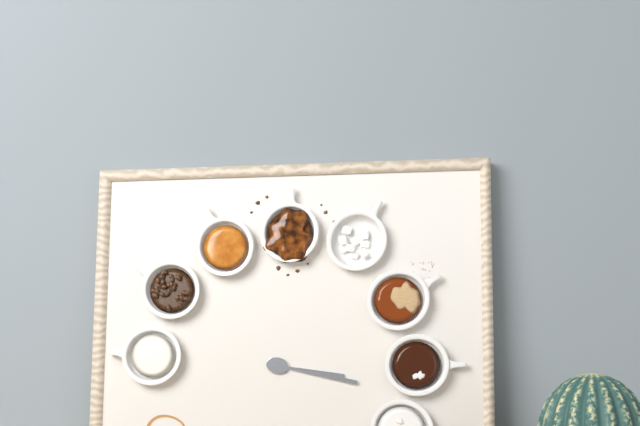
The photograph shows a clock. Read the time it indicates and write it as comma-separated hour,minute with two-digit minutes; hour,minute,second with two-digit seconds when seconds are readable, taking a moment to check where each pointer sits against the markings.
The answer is 3,17
